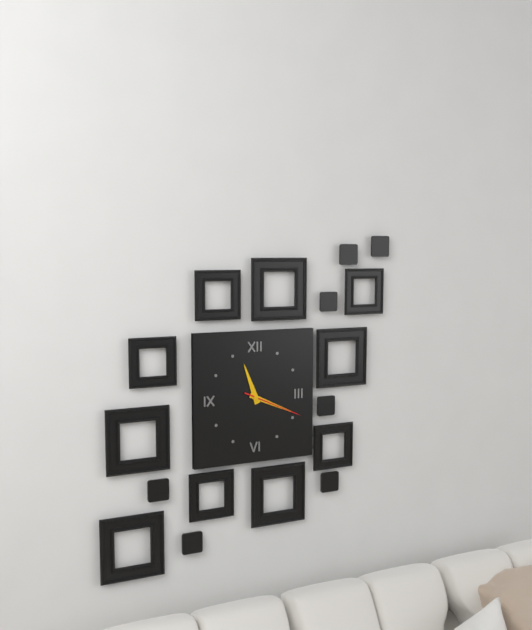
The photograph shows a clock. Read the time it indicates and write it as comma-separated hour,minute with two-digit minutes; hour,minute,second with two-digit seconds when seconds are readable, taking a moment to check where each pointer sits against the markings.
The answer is 11,19,19
